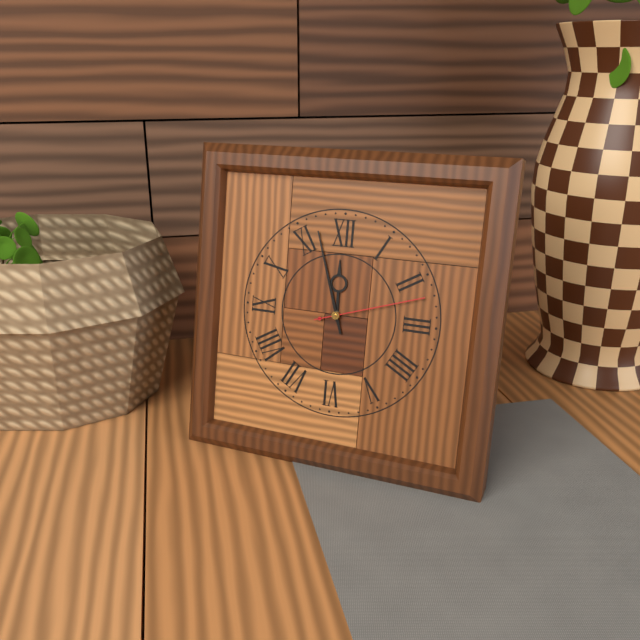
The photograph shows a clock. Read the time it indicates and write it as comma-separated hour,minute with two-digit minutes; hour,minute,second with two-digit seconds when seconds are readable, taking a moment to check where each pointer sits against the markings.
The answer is 11,57,12
